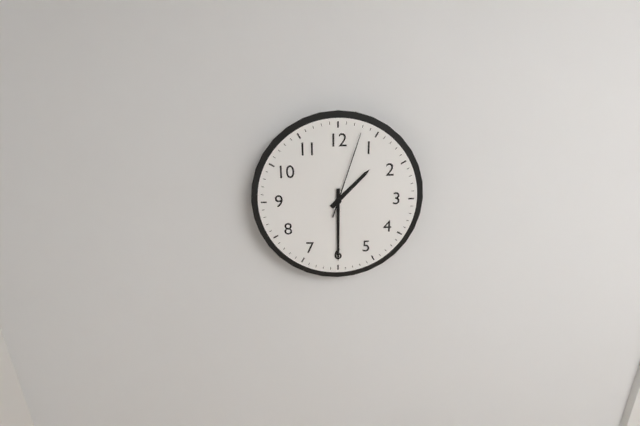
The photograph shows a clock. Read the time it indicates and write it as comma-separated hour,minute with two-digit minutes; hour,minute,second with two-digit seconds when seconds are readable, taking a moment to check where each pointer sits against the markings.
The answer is 1,30,03
